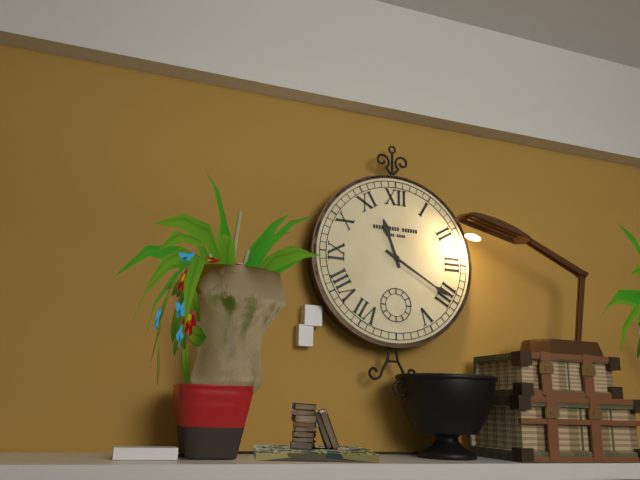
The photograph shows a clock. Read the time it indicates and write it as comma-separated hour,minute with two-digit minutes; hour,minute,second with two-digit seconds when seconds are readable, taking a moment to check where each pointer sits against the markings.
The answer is 11,20
